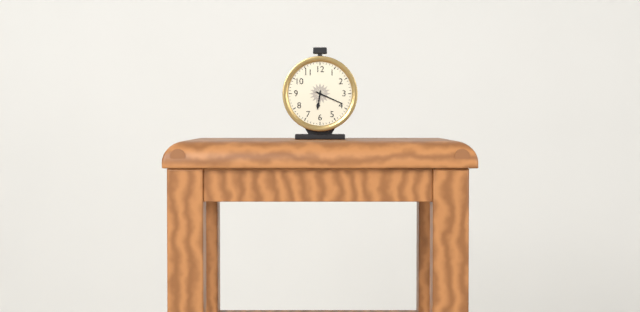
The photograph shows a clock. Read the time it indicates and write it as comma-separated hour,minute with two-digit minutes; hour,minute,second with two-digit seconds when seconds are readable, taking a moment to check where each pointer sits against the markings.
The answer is 6,19
